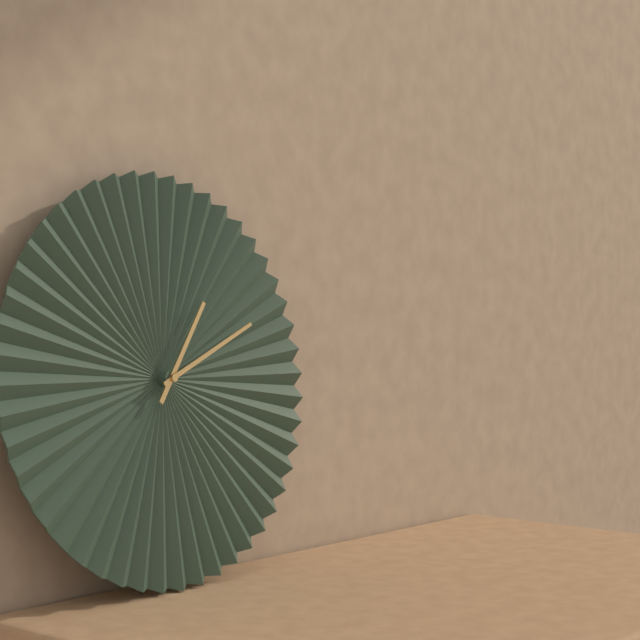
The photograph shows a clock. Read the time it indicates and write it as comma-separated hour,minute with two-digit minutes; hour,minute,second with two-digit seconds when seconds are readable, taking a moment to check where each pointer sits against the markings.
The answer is 1,11
